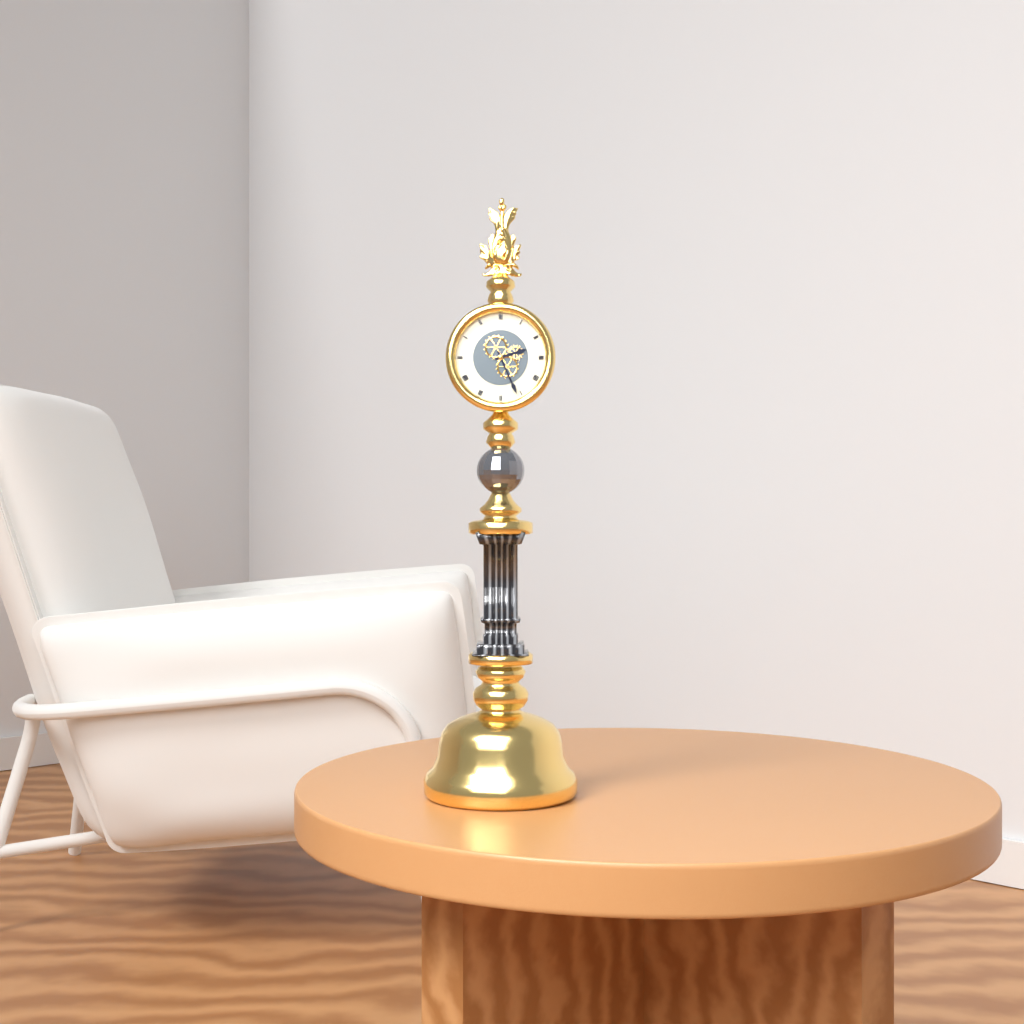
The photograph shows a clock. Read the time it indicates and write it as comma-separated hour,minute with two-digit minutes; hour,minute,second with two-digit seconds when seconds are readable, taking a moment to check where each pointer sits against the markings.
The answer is 2,26
